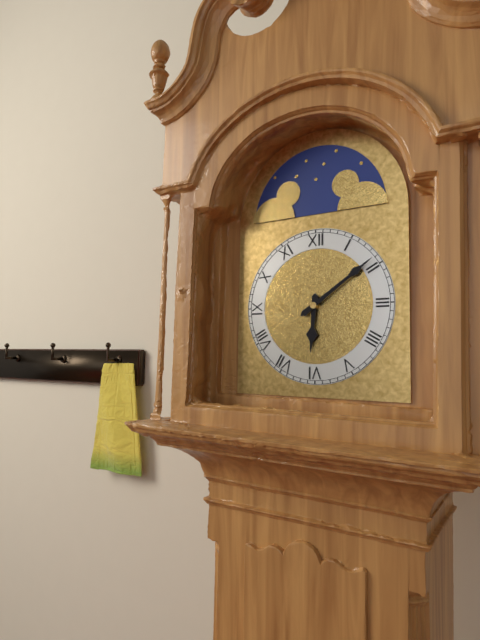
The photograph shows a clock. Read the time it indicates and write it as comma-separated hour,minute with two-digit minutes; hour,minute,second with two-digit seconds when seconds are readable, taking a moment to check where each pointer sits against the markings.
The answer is 6,09
